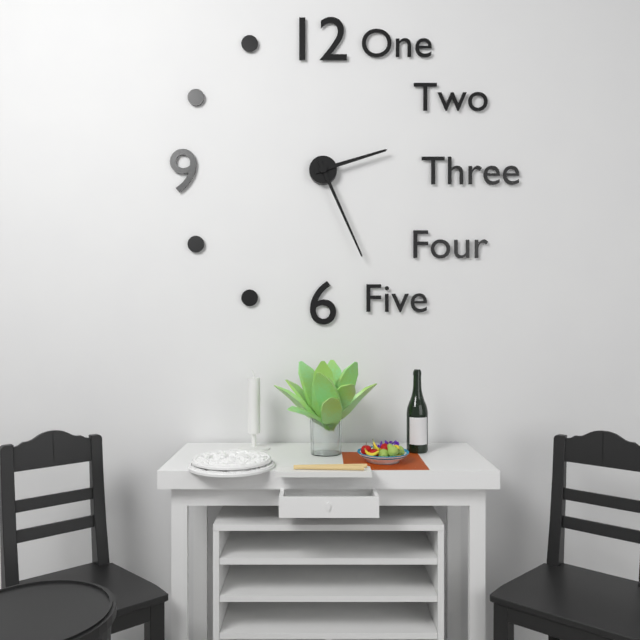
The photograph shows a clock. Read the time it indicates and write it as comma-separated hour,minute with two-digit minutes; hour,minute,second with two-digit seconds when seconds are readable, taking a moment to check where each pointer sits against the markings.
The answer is 2,26
